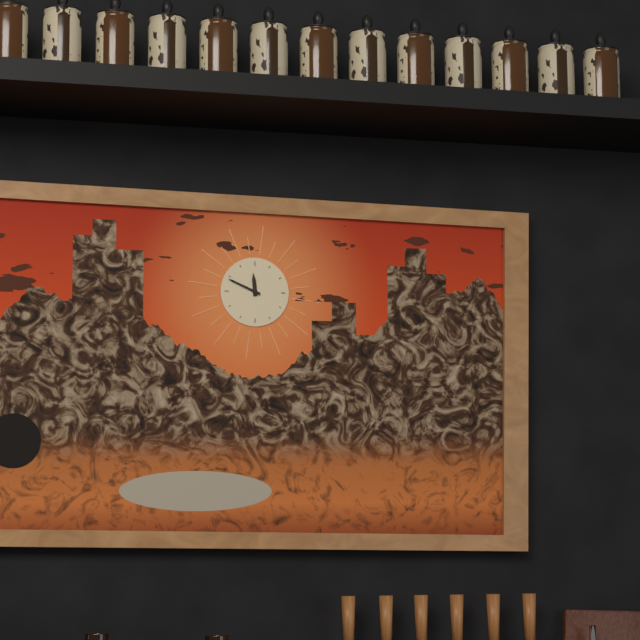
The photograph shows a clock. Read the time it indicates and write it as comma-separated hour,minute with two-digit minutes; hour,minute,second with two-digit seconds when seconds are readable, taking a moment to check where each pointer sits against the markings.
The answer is 11,49
